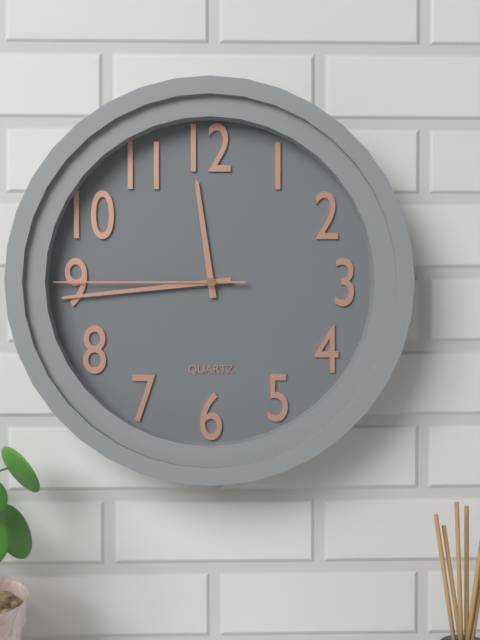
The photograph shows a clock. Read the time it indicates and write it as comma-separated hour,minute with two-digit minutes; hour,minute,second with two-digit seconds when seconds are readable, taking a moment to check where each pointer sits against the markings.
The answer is 11,44,45
